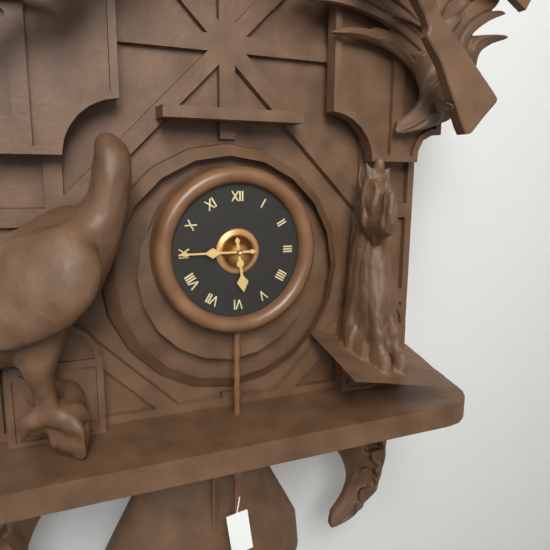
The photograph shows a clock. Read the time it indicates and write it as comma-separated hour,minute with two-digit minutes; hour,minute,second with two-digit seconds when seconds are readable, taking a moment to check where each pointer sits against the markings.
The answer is 5,45
